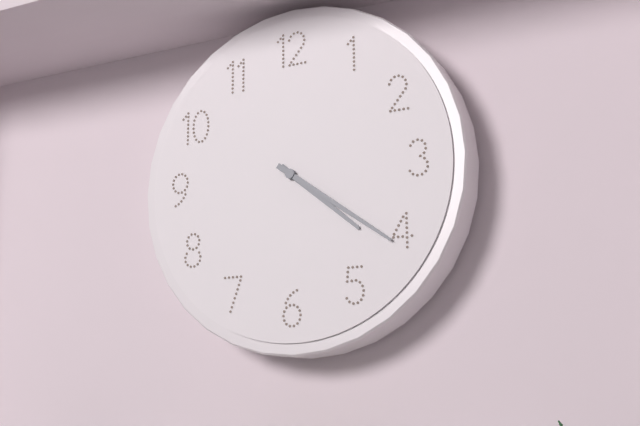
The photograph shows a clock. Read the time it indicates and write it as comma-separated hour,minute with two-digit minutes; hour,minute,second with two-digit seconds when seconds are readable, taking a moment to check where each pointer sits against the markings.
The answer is 4,21
